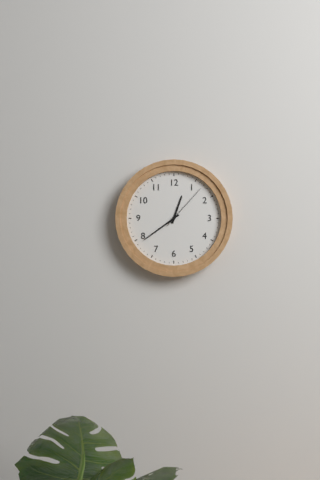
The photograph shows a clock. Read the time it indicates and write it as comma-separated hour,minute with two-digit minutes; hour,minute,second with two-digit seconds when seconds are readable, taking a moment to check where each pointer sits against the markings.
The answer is 12,39,07
